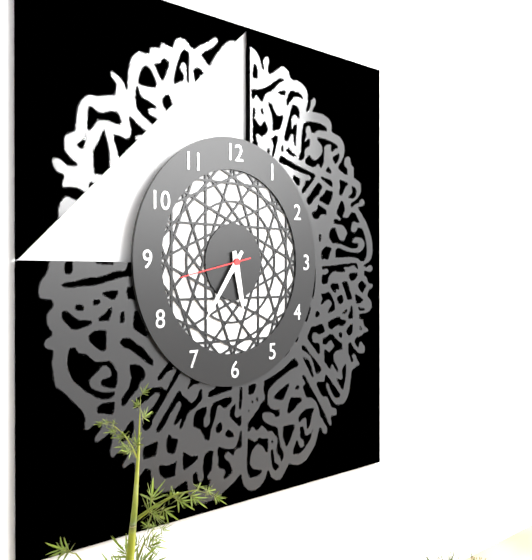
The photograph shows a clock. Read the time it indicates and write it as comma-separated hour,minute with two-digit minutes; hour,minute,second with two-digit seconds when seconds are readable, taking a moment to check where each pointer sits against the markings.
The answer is 5,36,43
